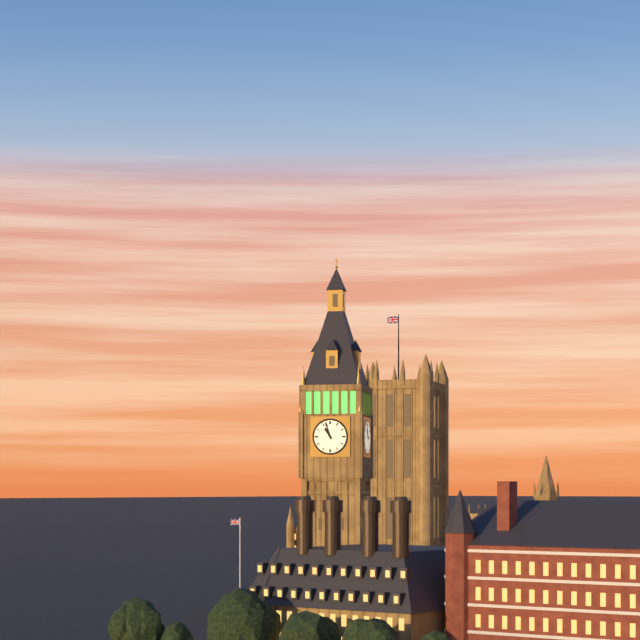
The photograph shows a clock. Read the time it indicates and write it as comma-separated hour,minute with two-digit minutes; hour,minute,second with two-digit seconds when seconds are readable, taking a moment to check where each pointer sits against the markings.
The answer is 10,57
